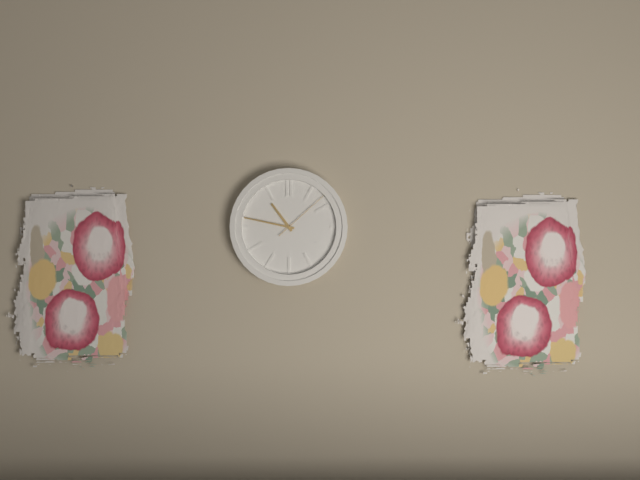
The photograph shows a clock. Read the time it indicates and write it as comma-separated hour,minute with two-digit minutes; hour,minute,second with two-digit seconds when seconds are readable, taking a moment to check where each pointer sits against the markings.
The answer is 10,47,08
